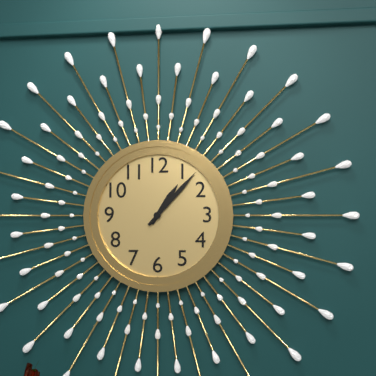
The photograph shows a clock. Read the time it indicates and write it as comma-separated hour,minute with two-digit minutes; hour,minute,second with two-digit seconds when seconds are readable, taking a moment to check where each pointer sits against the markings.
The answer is 1,07
